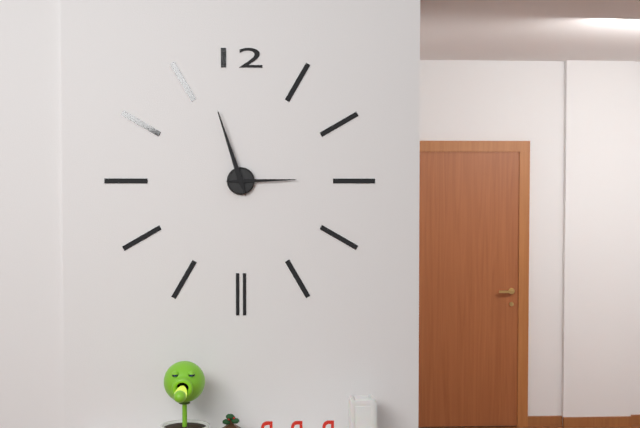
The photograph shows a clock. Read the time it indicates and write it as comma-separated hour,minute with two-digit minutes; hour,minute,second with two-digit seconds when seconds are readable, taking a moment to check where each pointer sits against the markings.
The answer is 2,57
